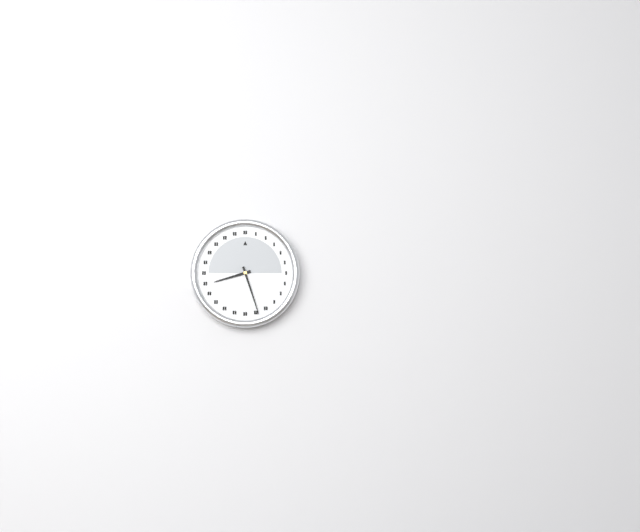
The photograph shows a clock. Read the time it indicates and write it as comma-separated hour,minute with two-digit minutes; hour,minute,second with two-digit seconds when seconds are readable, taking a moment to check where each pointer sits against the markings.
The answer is 8,27
